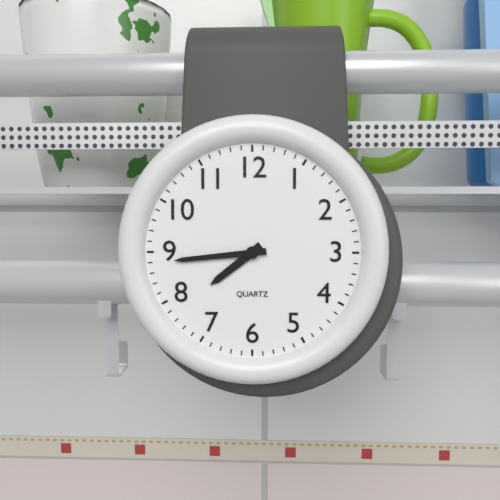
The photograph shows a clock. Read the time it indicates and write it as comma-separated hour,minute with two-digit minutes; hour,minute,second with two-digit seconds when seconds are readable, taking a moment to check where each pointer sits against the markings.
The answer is 7,44
